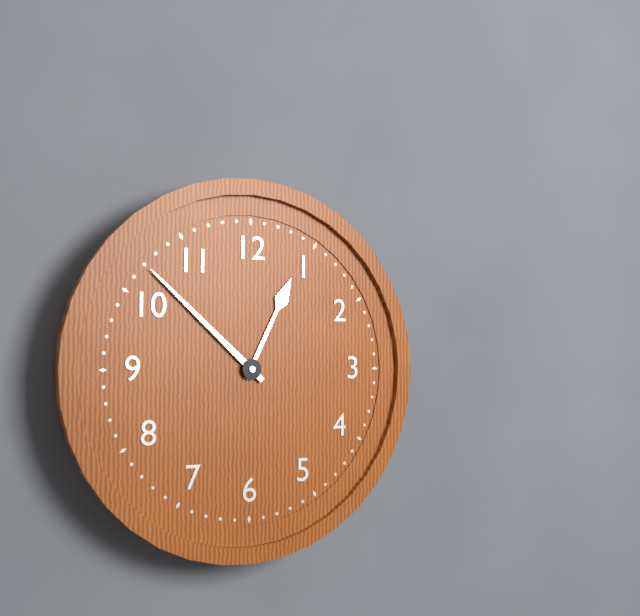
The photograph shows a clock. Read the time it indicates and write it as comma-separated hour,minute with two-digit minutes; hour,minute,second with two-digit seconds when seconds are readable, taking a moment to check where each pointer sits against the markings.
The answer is 12,52
